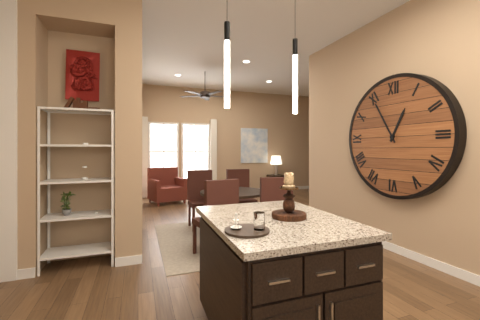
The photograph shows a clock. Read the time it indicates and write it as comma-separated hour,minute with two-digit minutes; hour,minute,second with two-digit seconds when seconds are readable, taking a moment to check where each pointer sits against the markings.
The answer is 12,55
